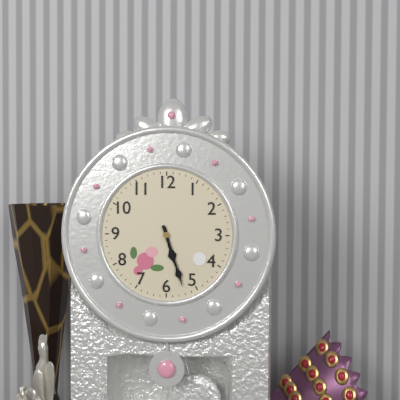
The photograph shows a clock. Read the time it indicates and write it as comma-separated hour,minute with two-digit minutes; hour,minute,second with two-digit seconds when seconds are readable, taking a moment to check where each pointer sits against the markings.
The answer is 5,27
